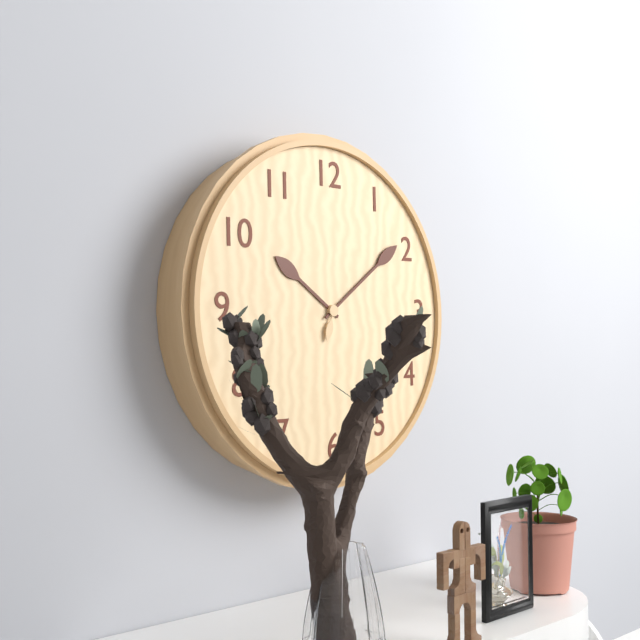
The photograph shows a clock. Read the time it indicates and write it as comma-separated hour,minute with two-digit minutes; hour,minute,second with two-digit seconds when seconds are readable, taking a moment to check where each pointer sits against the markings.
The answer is 10,09,33
